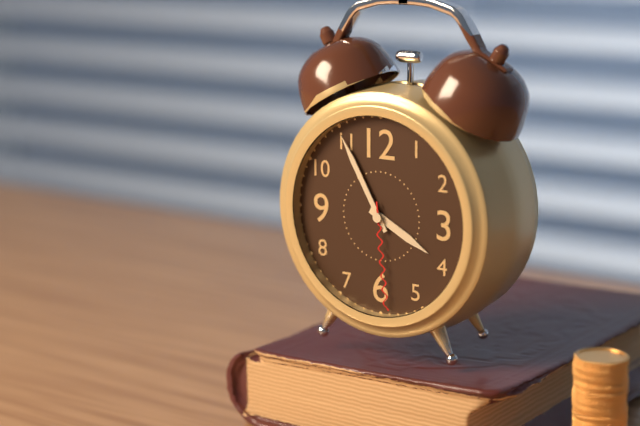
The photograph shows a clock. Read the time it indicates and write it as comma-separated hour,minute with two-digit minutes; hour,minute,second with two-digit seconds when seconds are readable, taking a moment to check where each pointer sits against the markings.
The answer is 3,55,29
